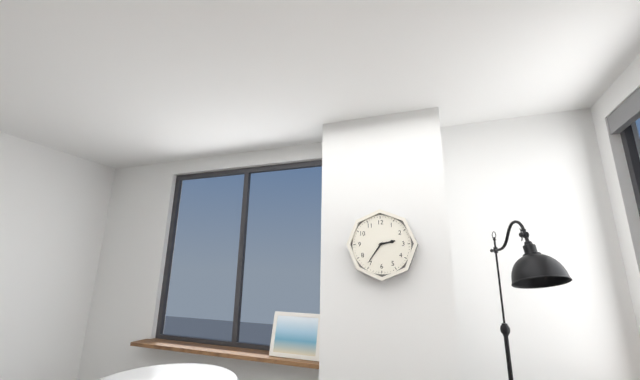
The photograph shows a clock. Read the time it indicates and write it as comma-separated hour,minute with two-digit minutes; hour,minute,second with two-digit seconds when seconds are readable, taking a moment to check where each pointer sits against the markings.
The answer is 2,36
